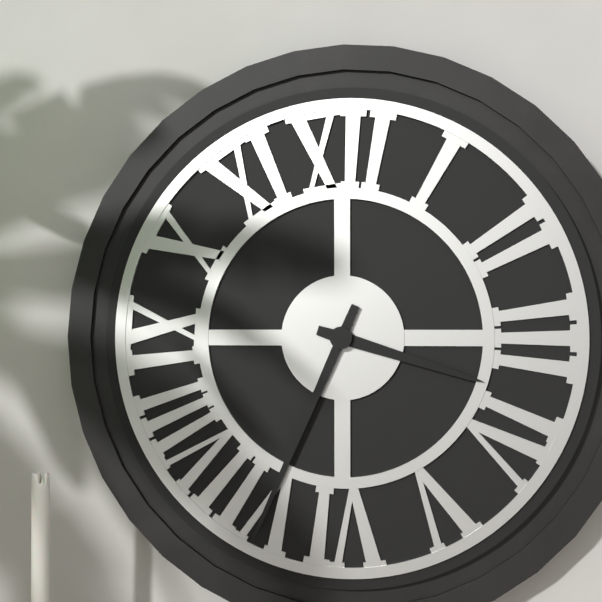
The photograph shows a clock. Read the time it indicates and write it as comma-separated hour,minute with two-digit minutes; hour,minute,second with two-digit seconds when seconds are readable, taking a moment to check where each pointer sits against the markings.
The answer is 3,34
